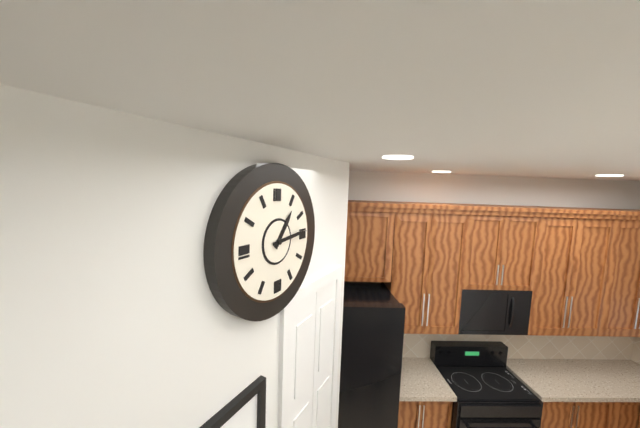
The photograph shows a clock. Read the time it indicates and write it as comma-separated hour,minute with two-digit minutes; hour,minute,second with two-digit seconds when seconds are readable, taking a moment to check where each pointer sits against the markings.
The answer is 1,14
